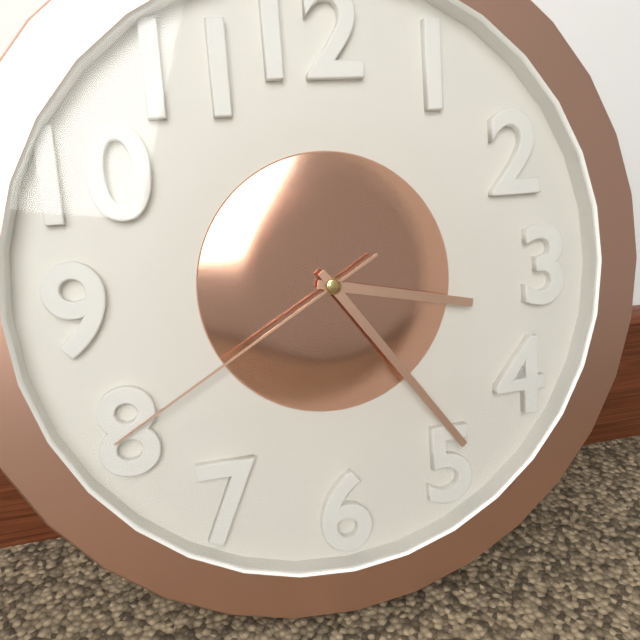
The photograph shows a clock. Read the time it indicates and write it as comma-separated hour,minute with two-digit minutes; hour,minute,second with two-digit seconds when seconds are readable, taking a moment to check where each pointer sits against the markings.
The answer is 3,24,40
